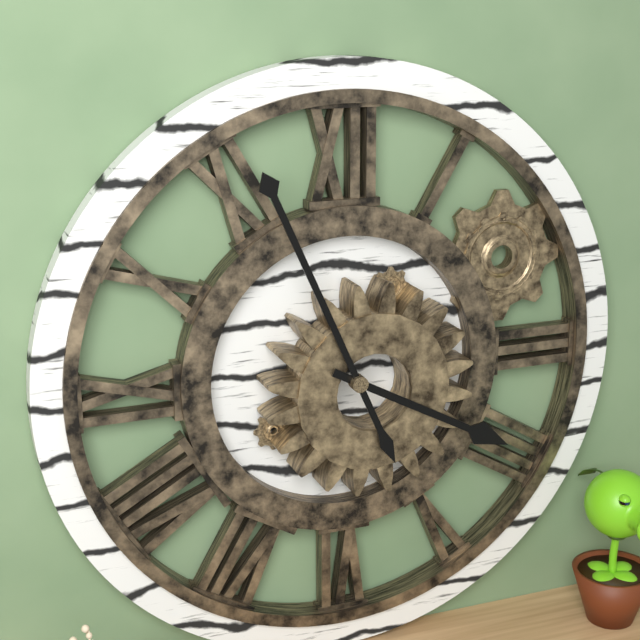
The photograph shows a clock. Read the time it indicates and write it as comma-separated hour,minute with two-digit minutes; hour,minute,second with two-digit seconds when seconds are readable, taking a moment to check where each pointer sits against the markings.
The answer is 3,56
